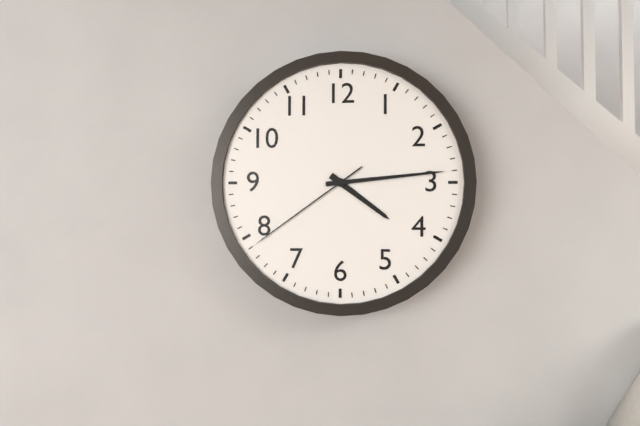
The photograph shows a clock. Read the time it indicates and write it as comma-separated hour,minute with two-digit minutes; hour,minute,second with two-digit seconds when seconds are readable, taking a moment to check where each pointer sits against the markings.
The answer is 4,14,39
